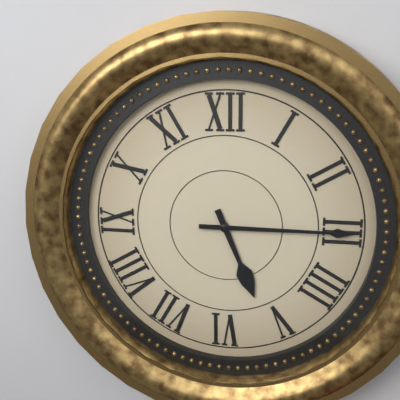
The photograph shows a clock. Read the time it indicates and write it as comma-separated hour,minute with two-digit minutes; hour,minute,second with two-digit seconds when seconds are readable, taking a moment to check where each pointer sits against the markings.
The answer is 5,15
